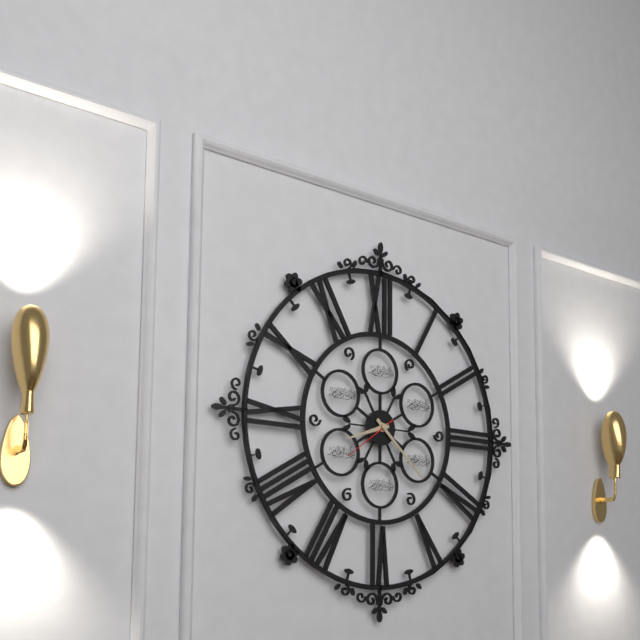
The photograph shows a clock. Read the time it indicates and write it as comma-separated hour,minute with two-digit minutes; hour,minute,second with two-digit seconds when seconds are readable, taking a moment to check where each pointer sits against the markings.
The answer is 8,22,39
